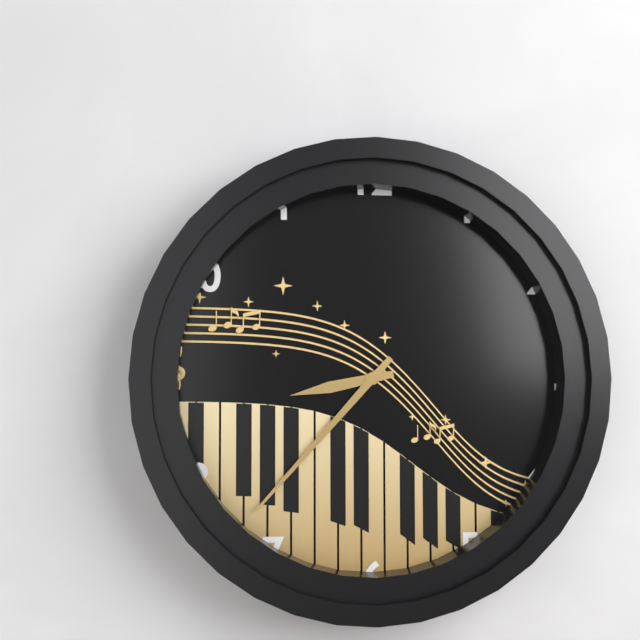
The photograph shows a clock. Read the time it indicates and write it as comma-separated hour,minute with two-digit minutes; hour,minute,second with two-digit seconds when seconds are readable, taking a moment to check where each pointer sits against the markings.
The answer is 8,37
